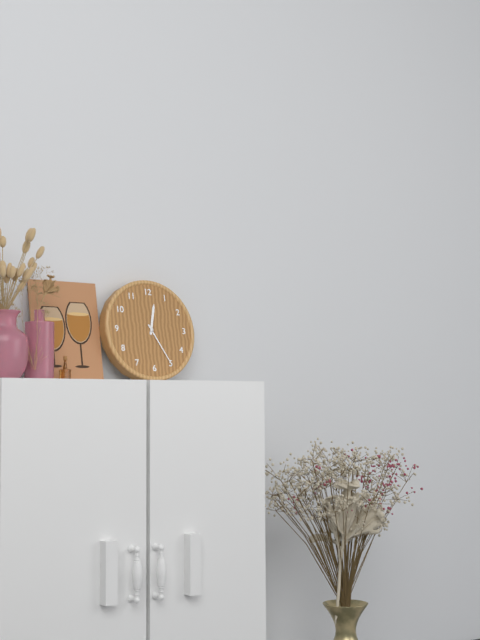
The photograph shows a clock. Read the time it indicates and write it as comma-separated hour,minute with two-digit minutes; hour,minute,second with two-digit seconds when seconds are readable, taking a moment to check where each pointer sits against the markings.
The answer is 12,25
